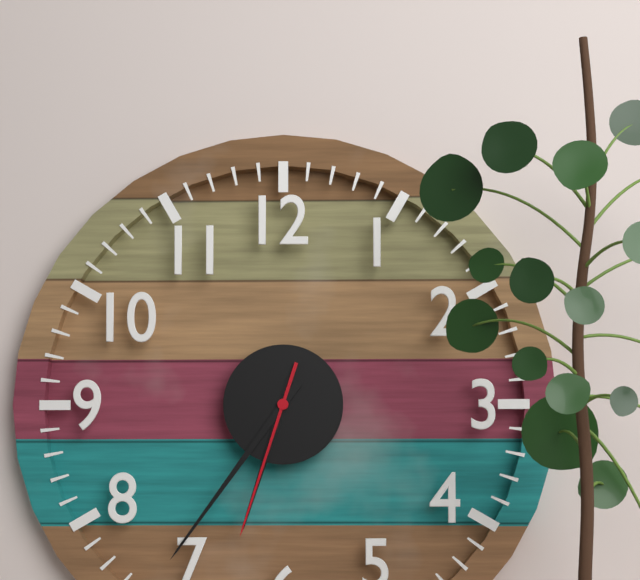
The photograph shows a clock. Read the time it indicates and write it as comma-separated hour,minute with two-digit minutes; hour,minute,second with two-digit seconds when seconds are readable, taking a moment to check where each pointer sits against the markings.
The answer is 6,36,33
